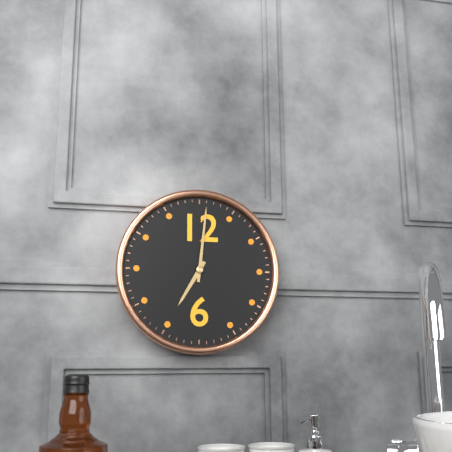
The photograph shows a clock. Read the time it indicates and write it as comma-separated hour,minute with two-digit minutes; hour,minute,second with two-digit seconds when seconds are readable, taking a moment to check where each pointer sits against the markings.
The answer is 7,01
